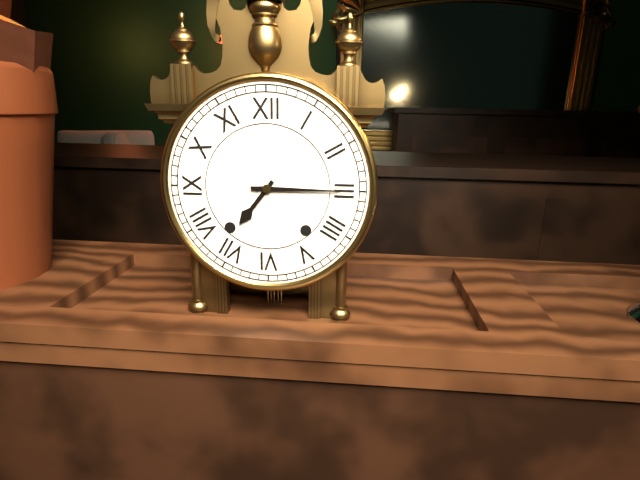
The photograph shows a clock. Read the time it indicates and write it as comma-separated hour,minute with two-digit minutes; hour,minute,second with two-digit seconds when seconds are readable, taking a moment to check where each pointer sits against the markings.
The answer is 7,15
